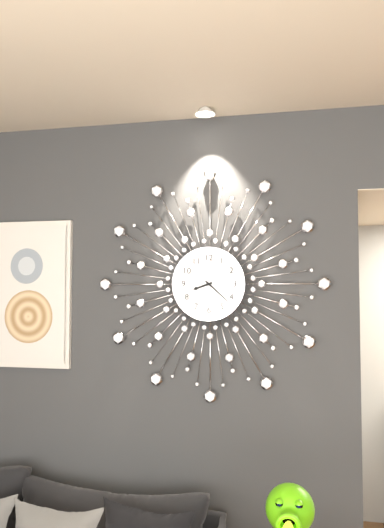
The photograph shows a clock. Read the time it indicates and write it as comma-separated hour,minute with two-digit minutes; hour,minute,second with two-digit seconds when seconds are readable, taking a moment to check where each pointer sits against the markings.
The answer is 8,22
